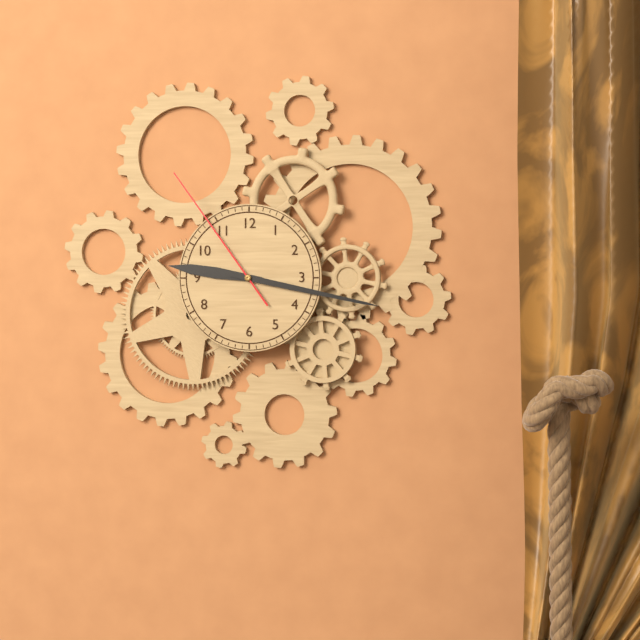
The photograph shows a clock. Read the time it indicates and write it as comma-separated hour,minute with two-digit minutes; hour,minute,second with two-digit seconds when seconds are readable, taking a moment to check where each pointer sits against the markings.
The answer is 9,17,54
